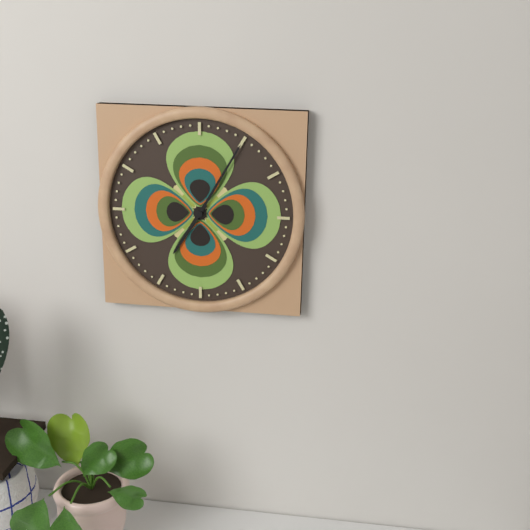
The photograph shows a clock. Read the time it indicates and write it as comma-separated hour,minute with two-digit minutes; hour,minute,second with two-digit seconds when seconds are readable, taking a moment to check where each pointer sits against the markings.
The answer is 7,05
